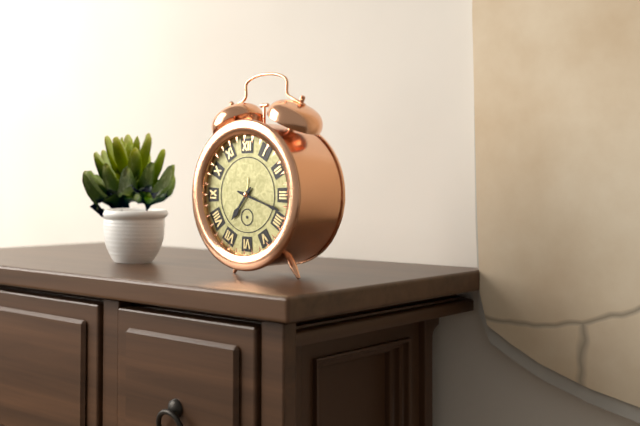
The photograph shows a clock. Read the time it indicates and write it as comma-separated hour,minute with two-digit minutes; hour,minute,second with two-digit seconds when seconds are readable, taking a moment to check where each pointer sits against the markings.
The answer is 7,18
